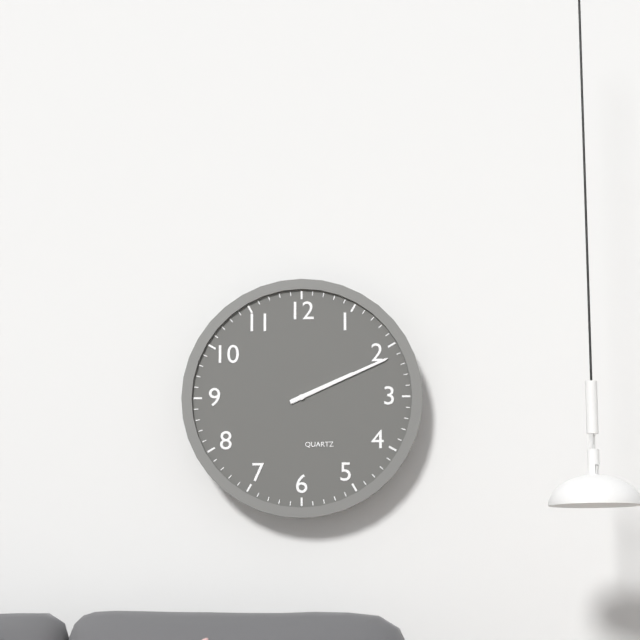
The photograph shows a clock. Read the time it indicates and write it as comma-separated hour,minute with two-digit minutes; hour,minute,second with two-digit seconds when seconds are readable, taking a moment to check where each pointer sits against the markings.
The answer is 2,11
